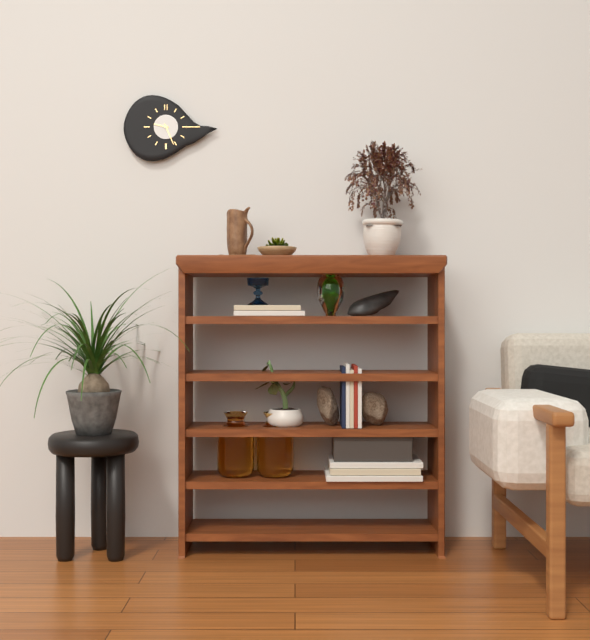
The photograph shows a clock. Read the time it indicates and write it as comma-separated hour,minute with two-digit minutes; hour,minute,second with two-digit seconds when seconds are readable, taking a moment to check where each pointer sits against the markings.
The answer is 9,26
